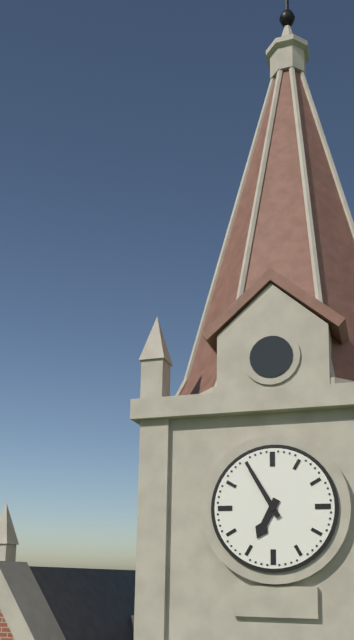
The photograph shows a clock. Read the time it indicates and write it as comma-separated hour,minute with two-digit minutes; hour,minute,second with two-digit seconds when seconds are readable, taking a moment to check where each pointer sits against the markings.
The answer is 6,55
